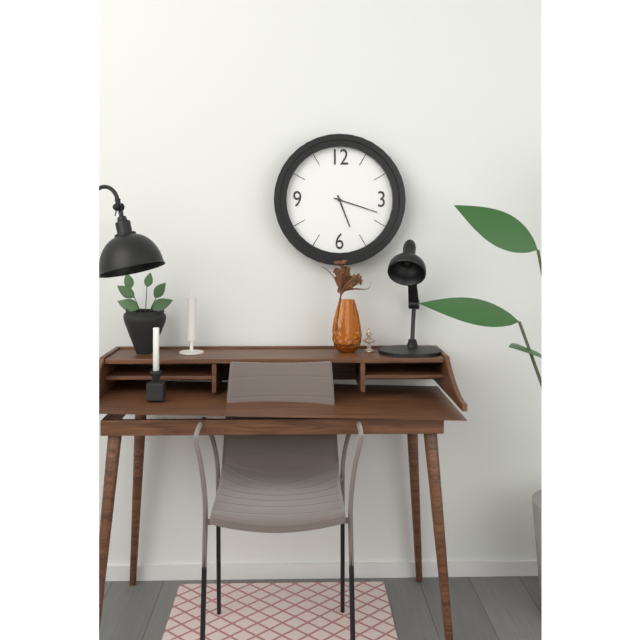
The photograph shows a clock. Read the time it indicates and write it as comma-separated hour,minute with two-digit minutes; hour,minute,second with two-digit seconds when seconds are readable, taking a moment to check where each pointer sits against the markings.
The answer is 5,18
